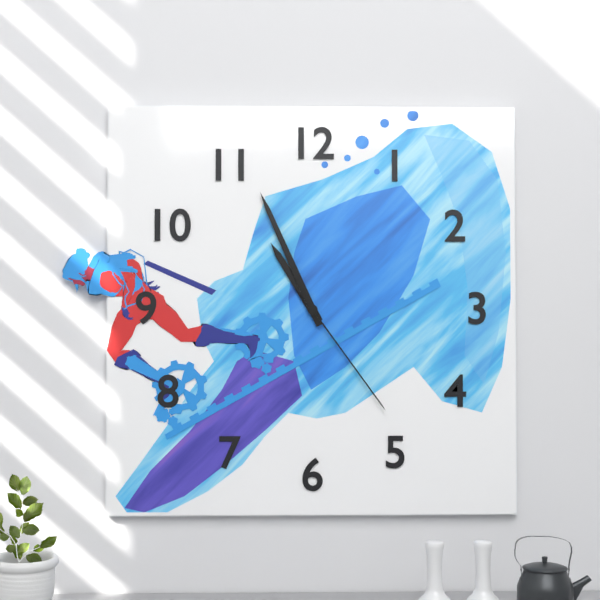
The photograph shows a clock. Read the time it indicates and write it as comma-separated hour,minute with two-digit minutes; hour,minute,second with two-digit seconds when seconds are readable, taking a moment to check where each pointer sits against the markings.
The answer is 10,56,24
